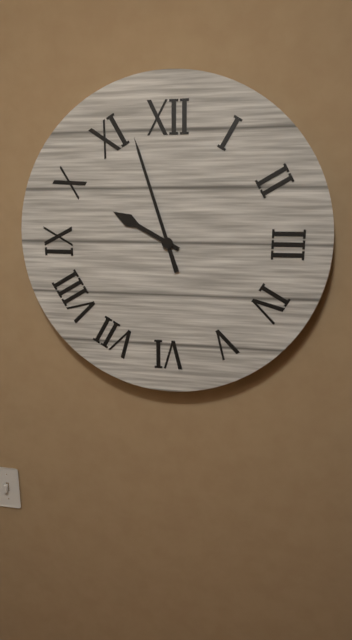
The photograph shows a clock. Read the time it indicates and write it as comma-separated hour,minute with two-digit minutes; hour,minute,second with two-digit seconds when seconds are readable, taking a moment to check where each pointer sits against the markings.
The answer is 9,57
